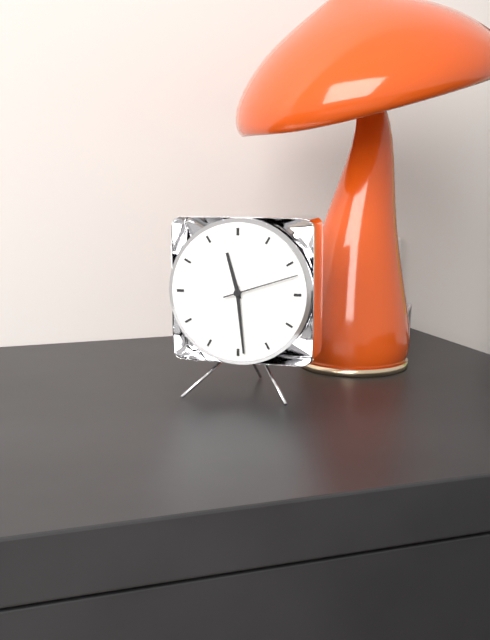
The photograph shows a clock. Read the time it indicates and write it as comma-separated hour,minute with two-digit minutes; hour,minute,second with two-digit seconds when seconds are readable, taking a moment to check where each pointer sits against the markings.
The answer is 11,29,12
